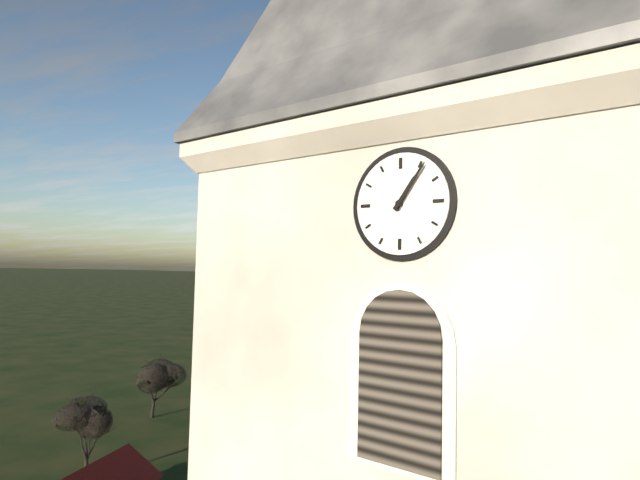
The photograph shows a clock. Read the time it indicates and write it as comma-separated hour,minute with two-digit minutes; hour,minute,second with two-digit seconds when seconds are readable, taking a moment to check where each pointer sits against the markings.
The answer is 1,06
